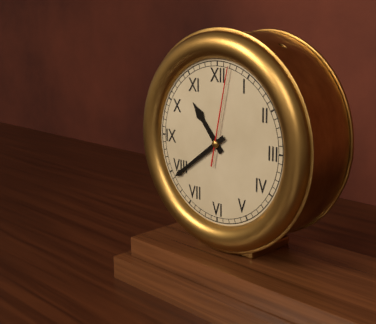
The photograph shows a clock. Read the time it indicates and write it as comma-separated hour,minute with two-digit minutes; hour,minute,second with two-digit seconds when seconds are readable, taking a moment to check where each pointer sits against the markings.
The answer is 10,39,02
